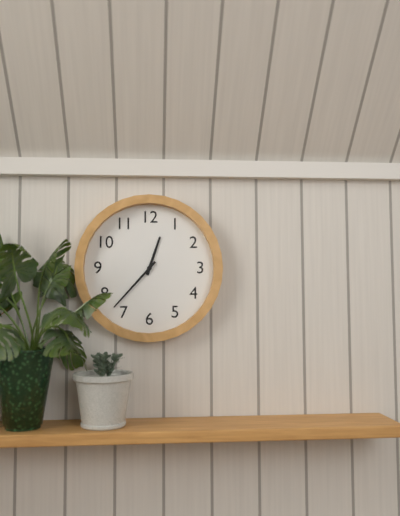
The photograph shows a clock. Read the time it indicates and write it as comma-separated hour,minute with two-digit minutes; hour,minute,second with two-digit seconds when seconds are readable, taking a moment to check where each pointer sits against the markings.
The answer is 12,37
